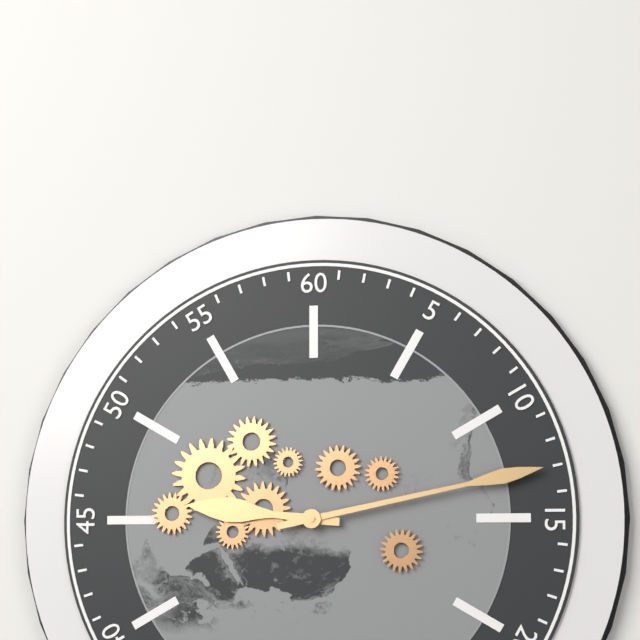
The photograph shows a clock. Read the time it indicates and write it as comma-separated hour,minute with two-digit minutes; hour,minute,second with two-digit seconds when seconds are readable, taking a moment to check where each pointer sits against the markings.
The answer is 9,13
